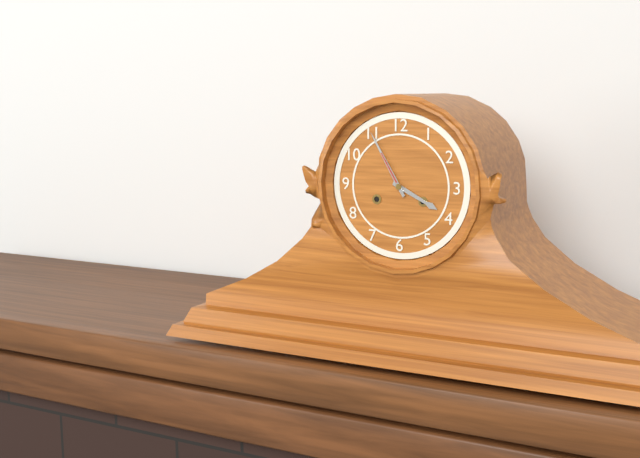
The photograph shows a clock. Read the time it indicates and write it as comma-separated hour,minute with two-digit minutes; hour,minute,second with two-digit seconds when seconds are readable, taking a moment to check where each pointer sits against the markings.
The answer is 3,55
